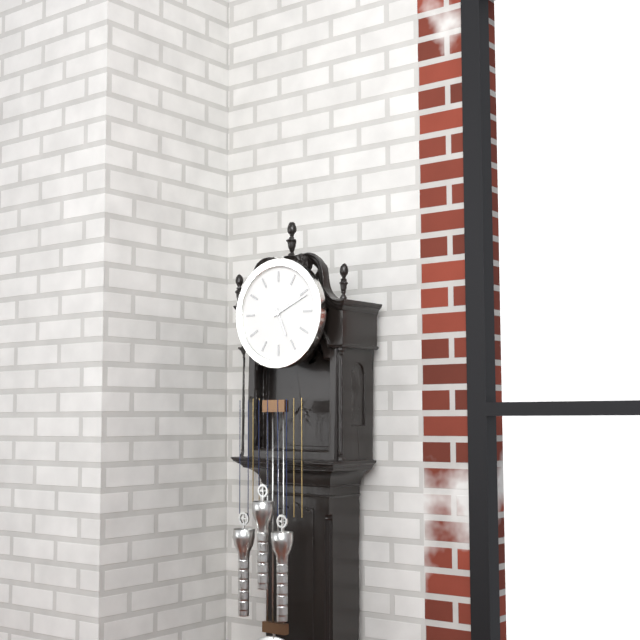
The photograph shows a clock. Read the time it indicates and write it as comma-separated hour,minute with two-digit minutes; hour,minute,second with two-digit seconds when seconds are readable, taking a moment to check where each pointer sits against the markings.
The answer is 5,11
